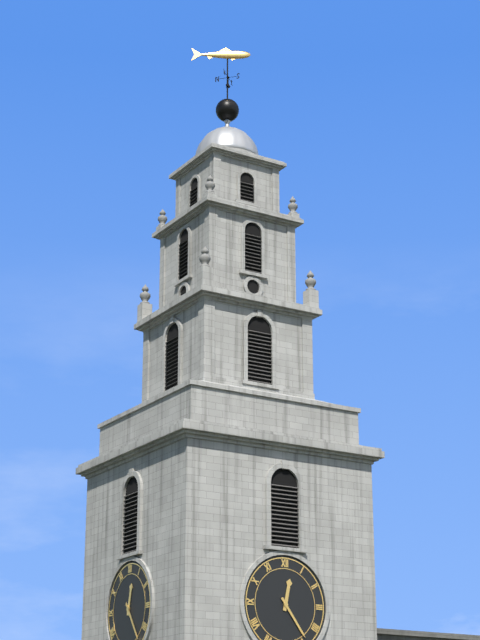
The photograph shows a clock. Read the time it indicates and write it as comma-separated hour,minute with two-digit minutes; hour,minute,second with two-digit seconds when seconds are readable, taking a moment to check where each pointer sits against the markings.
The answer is 12,24
